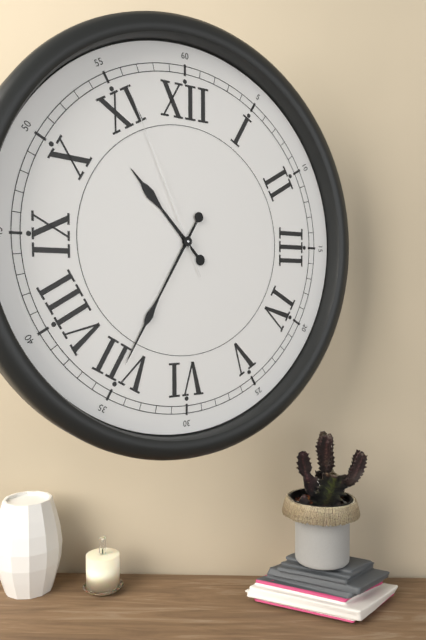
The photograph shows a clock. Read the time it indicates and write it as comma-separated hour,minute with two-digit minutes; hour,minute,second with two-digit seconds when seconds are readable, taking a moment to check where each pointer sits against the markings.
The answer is 10,35,56
